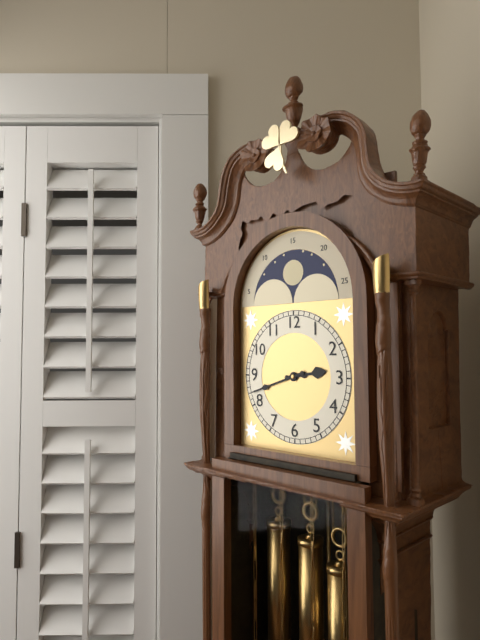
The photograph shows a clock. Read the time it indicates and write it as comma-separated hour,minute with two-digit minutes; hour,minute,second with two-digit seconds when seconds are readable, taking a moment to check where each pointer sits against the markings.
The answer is 2,42
